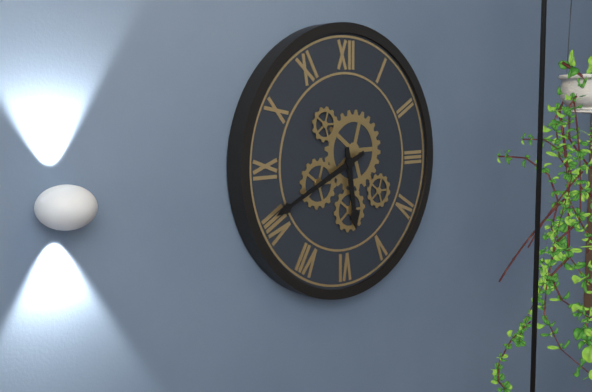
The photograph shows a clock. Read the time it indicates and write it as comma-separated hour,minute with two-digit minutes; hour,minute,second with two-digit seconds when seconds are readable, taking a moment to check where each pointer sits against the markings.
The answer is 5,41
